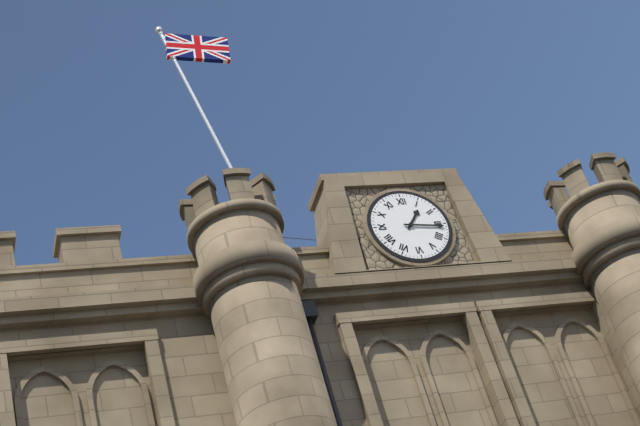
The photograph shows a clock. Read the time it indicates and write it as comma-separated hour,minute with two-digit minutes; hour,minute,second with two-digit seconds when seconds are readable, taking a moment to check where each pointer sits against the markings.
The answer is 1,16
